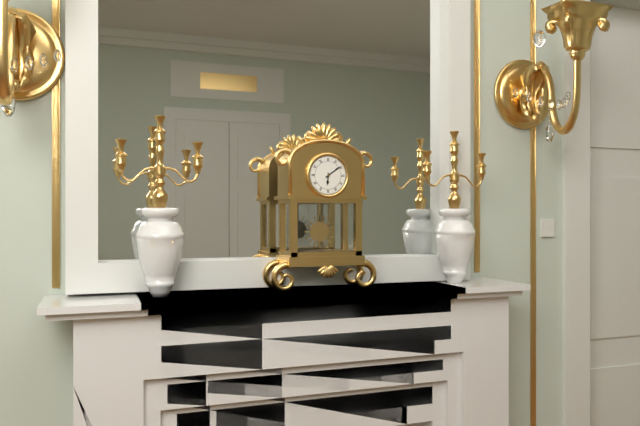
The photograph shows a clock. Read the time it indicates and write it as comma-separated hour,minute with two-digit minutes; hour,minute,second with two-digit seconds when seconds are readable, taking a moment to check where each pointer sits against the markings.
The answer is 6,09
